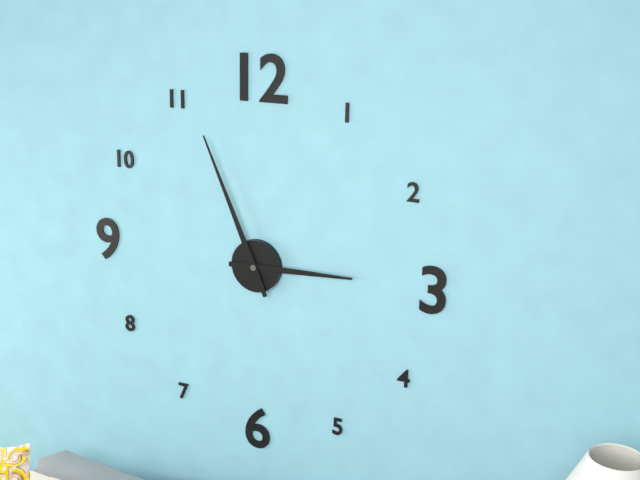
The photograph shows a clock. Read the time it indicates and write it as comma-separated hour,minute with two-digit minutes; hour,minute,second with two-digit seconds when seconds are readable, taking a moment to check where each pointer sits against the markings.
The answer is 2,56
